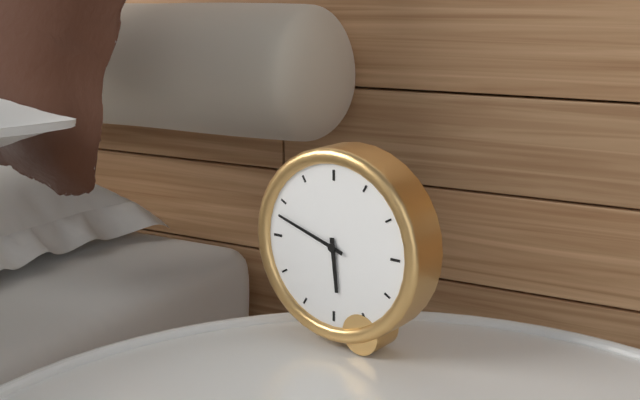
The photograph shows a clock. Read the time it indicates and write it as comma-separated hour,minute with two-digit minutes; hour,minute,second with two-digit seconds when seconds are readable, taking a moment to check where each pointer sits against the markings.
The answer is 5,48
